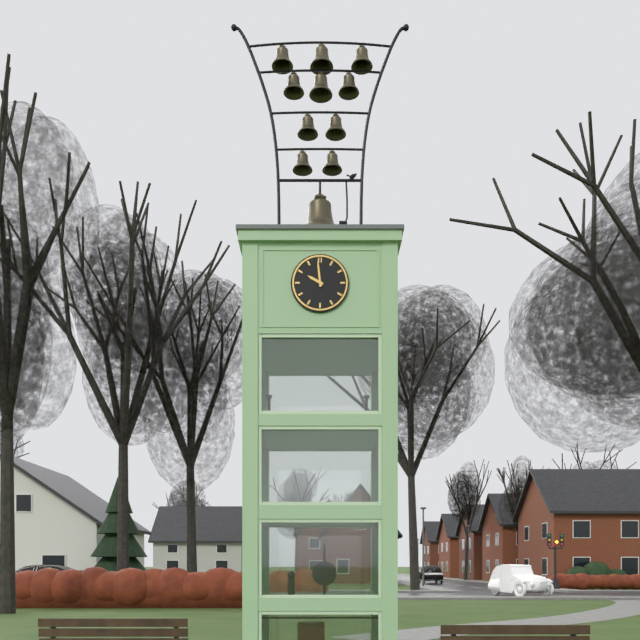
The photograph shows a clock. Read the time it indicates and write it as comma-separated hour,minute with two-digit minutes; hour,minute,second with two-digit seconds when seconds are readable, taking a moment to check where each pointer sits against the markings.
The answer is 9,59
